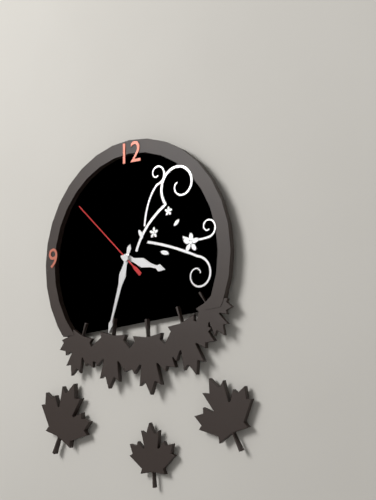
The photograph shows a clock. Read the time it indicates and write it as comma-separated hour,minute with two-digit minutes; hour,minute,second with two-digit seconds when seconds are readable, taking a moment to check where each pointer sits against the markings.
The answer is 3,33,52
